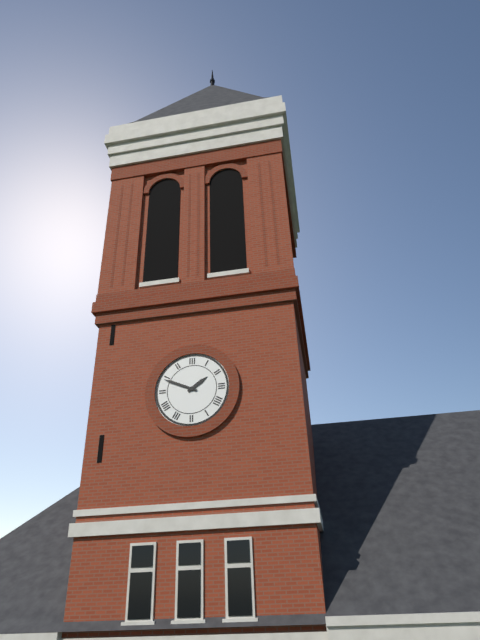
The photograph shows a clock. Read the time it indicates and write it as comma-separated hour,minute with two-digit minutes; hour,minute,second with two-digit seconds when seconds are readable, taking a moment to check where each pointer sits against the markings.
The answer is 1,49
